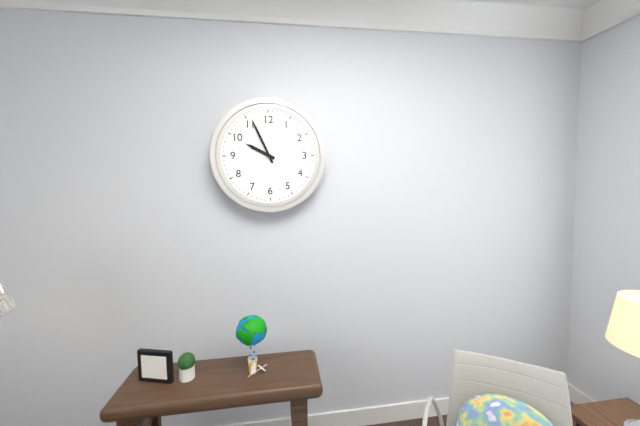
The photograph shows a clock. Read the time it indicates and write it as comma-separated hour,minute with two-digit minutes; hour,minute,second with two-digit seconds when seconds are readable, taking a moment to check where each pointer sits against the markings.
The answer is 9,56
